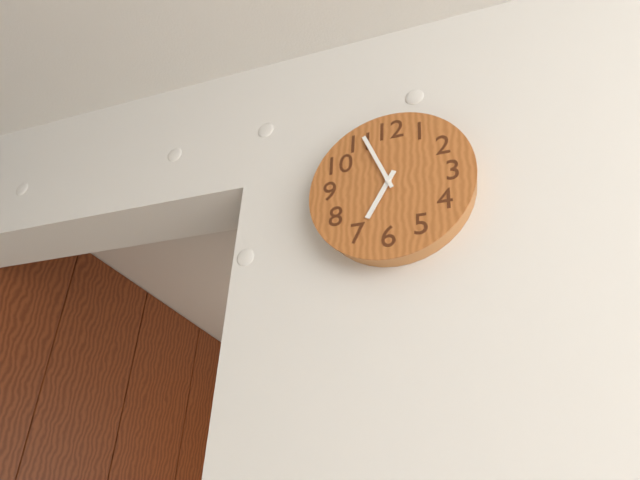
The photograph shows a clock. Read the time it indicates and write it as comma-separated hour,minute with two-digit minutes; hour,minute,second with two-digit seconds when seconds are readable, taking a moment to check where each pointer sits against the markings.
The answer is 6,56
